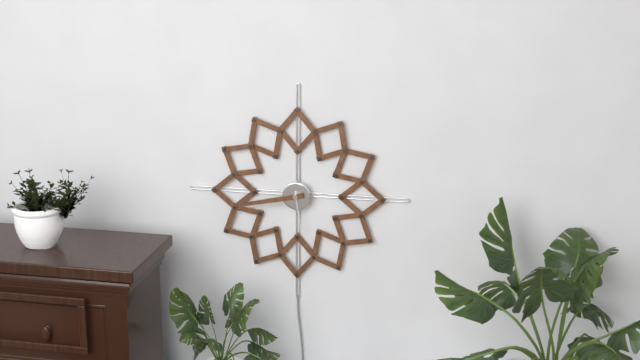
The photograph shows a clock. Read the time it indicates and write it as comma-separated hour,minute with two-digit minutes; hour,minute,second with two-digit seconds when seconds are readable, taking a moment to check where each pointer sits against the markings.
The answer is 5,43
